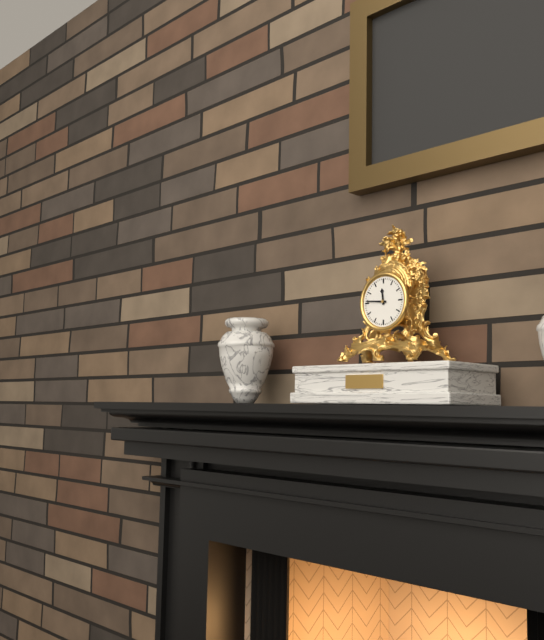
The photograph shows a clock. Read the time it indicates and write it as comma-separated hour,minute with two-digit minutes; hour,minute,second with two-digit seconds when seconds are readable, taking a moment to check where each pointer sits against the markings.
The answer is 11,46
